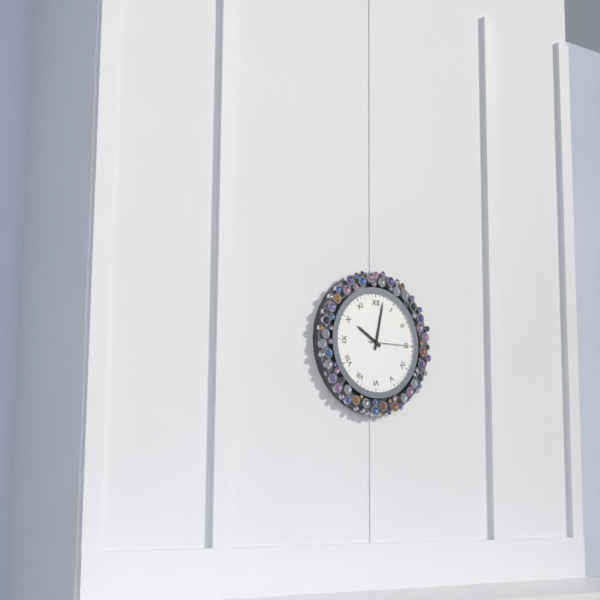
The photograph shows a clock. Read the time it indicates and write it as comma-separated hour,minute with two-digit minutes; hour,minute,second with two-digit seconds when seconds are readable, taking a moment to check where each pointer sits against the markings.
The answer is 10,02
